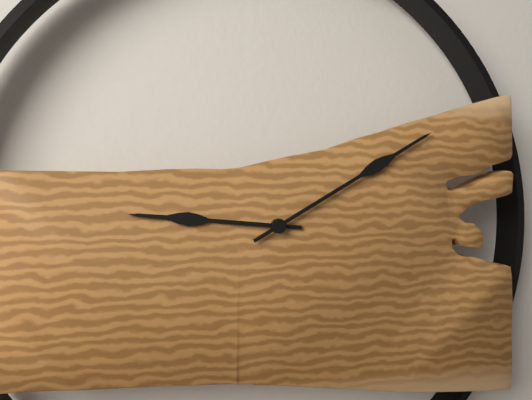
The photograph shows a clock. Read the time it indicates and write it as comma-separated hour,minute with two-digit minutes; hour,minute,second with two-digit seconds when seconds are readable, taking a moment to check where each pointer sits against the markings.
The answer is 9,10
